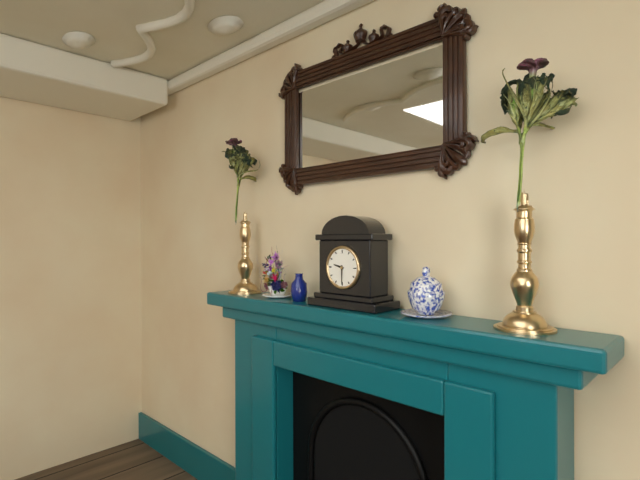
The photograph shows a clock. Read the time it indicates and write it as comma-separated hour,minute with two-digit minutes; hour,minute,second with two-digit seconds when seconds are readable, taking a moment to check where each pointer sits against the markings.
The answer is 9,30
